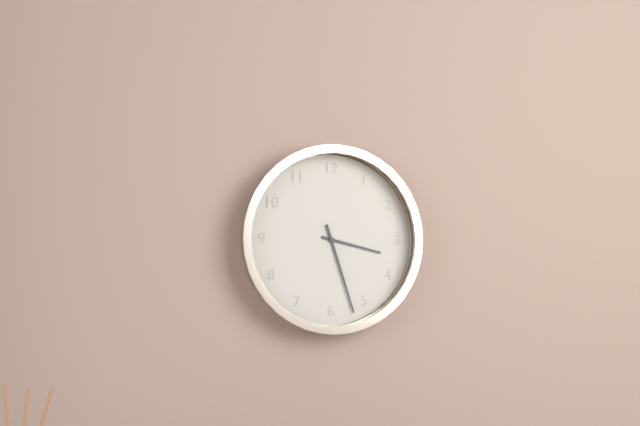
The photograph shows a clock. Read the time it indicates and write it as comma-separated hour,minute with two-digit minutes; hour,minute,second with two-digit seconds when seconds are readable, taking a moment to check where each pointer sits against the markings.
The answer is 3,27
